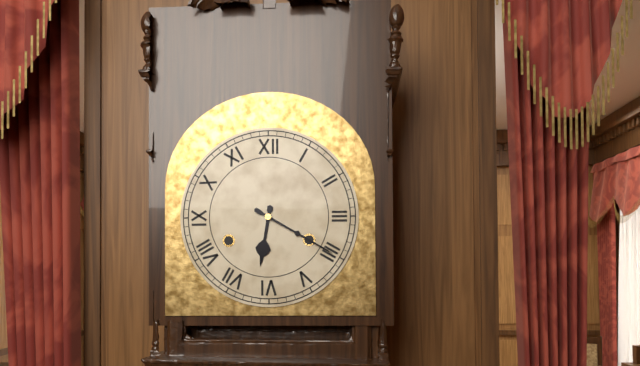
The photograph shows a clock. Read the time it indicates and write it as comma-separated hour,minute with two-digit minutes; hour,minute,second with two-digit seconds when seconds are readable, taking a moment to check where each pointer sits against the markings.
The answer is 6,20
